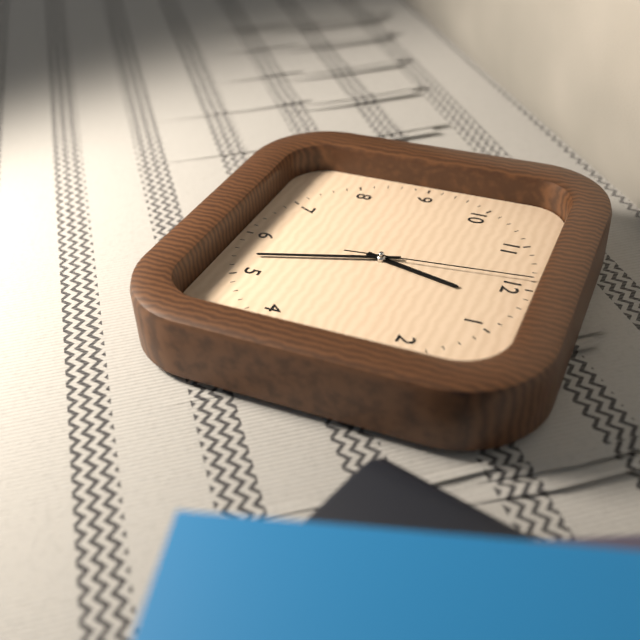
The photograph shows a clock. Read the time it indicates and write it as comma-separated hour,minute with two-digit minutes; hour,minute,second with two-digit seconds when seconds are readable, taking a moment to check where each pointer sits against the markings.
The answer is 12,27,59
